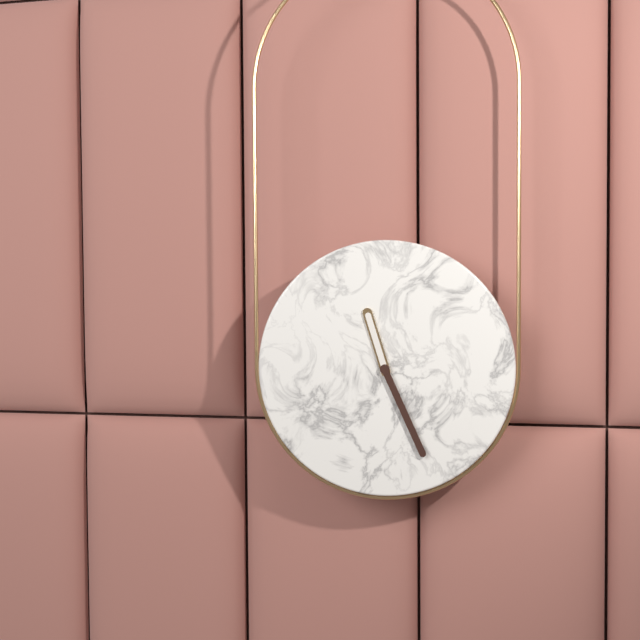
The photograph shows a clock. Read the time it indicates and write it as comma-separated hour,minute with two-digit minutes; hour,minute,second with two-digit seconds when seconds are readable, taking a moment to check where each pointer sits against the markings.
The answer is 11,26
